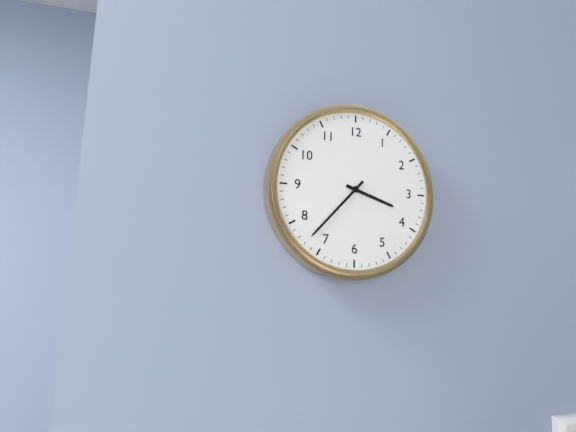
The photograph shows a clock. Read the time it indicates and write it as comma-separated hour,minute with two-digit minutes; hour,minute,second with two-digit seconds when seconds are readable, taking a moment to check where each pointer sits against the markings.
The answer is 3,37
